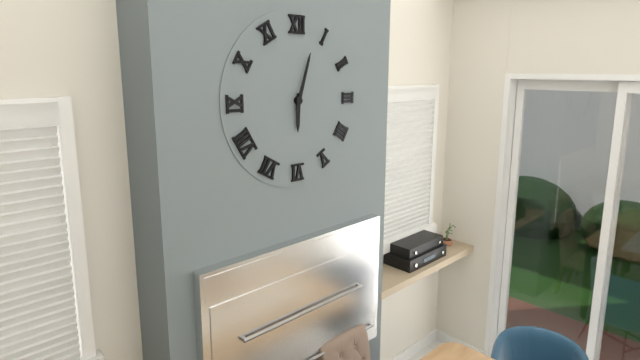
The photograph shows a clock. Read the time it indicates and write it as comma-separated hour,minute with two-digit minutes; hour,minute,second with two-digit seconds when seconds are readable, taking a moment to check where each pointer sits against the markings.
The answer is 6,03
